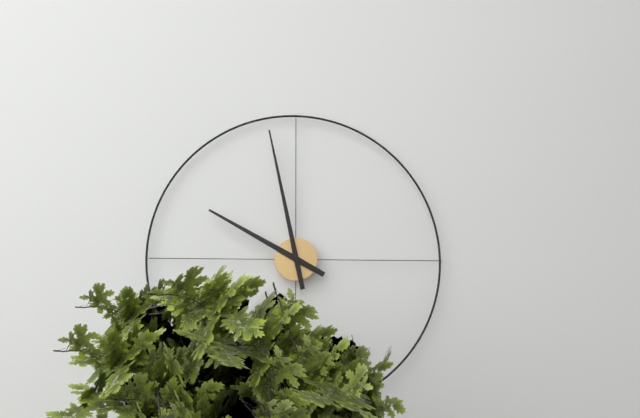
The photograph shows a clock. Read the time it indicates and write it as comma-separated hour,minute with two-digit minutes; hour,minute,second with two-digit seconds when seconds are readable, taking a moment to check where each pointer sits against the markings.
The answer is 9,58
